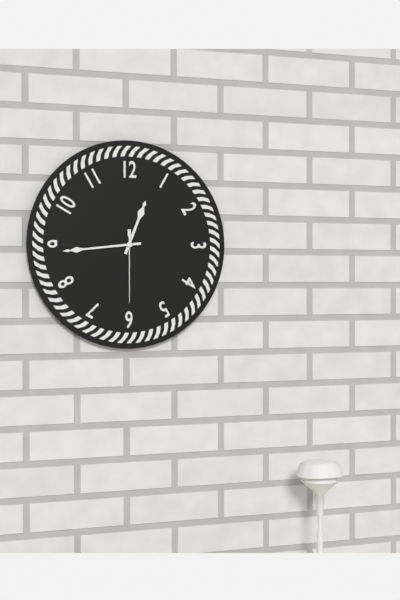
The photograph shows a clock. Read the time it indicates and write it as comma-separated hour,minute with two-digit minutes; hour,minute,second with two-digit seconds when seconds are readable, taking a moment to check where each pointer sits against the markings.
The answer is 12,44,30
